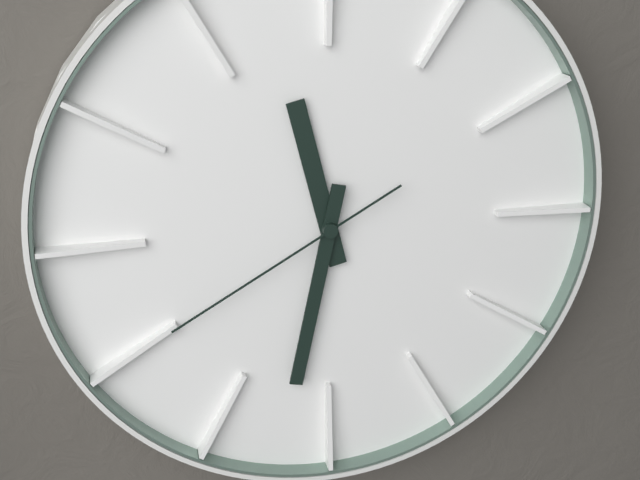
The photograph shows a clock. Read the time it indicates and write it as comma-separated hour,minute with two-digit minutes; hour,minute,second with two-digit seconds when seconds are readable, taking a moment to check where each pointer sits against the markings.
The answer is 11,32,40
